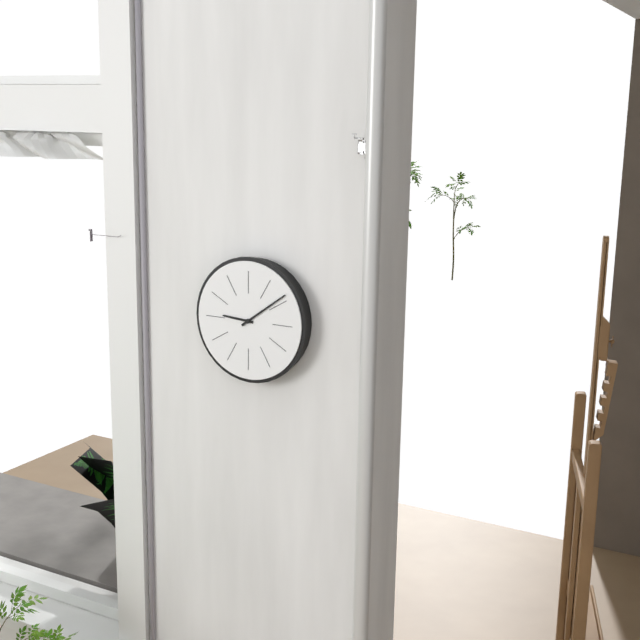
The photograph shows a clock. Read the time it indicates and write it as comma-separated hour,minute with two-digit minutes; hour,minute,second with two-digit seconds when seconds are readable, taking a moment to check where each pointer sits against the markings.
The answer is 9,09
